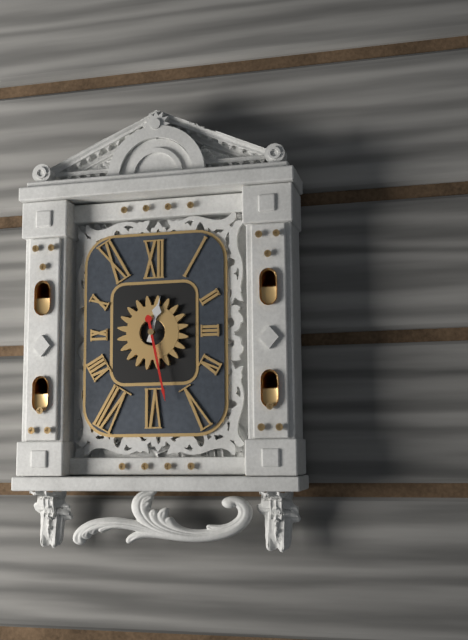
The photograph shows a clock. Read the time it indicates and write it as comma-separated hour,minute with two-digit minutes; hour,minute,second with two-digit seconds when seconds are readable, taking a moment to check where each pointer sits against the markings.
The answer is 12,28
